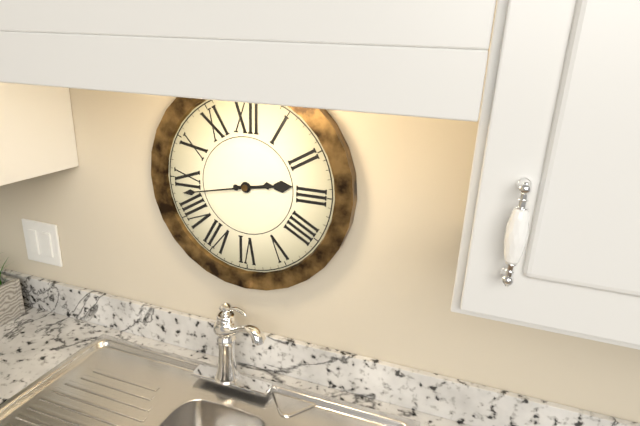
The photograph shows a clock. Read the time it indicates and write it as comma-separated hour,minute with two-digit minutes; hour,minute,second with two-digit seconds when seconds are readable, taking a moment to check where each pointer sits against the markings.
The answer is 2,43
